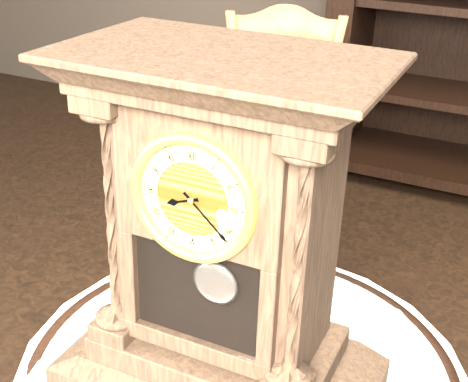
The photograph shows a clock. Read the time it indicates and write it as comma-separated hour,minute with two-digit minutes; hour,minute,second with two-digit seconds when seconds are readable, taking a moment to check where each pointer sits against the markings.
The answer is 8,22
